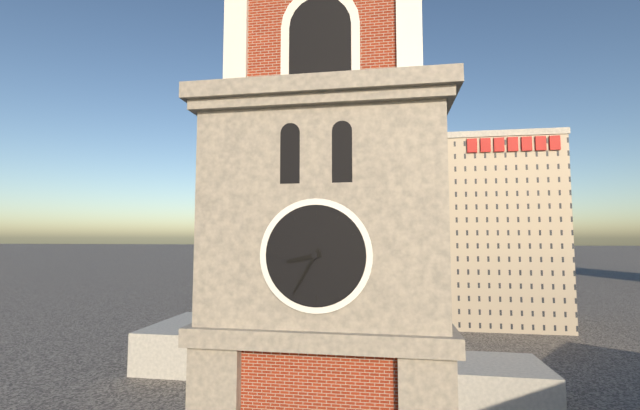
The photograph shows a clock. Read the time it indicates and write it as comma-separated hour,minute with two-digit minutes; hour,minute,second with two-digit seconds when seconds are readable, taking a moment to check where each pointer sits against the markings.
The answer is 8,35
